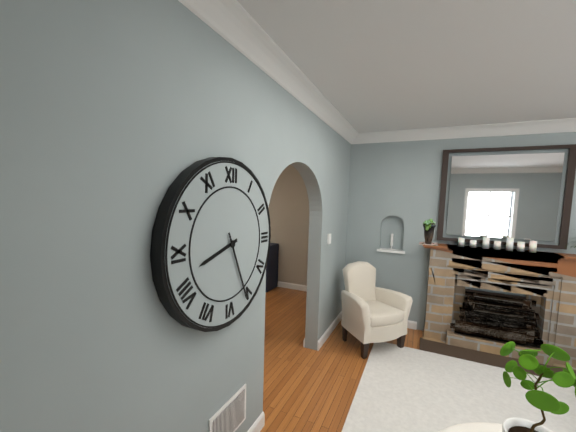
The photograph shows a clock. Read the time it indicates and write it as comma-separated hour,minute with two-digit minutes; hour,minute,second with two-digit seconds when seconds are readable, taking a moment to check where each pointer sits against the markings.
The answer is 8,26
